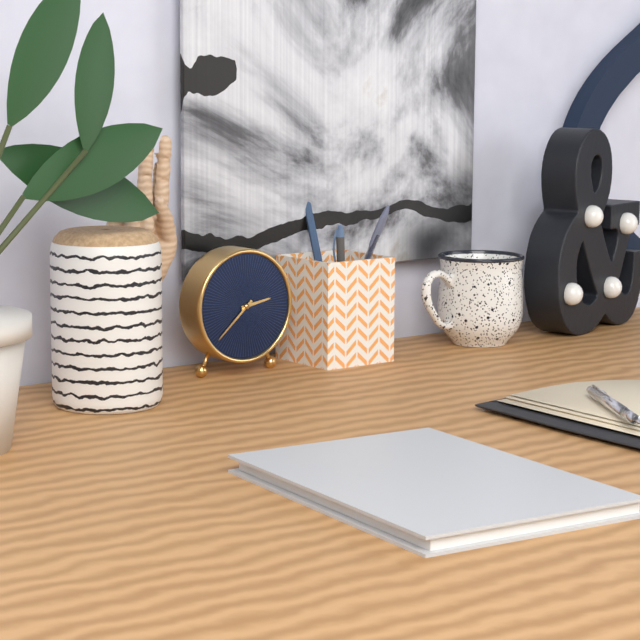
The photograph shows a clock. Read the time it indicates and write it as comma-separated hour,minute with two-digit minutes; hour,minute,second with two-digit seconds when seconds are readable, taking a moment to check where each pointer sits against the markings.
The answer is 2,38
